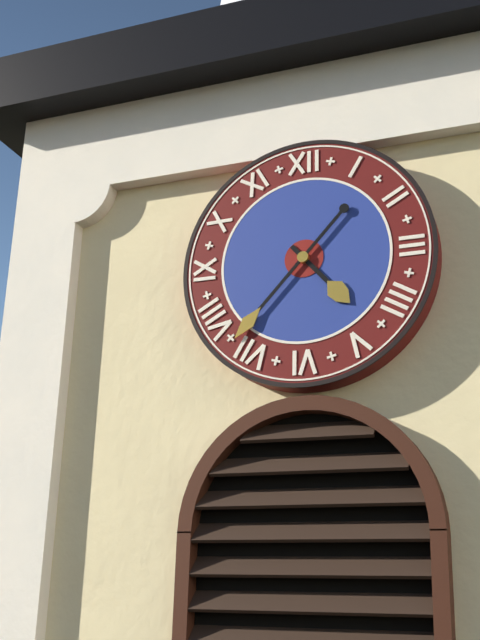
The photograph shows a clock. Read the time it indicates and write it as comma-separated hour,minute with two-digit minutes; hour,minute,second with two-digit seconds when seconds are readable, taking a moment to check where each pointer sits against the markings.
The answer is 4,37
